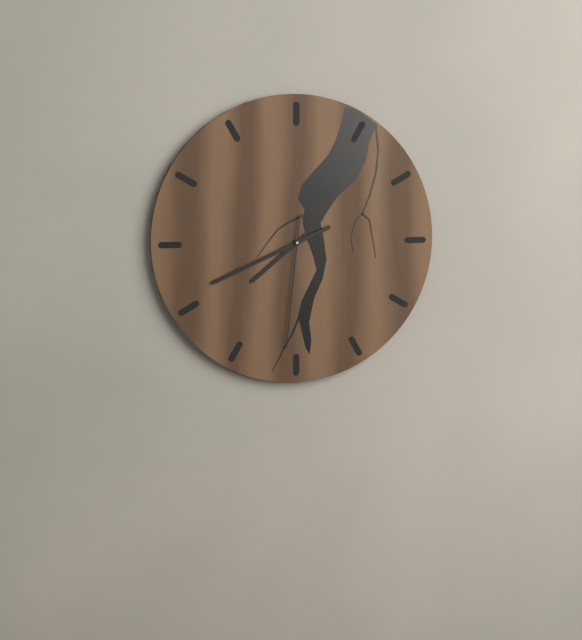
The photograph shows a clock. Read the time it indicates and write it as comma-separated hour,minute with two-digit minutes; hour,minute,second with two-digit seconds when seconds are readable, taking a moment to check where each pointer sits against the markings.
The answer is 7,41,31
